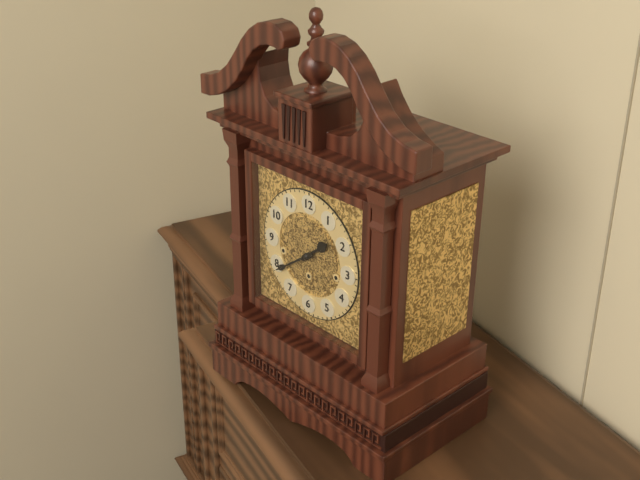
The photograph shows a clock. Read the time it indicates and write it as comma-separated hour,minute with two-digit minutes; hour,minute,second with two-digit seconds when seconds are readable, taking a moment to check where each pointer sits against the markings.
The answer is 1,39
